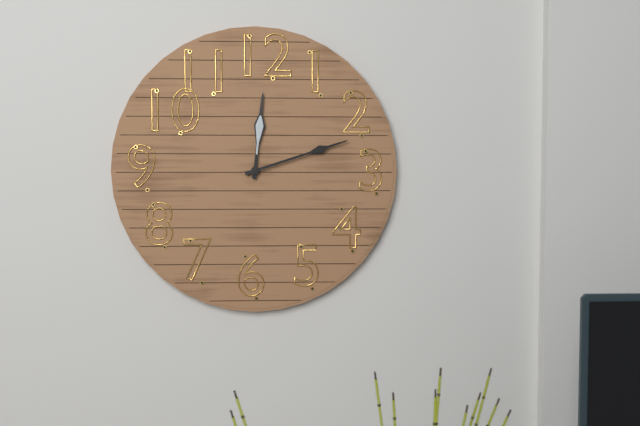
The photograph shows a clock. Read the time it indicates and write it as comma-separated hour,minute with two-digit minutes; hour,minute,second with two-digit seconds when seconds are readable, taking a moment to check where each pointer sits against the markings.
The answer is 12,12
